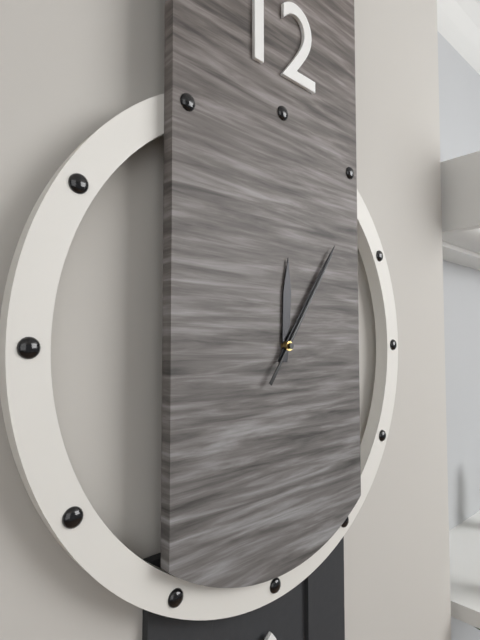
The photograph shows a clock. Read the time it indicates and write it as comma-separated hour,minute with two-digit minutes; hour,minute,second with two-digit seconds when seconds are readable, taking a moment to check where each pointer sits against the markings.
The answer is 12,06,06
